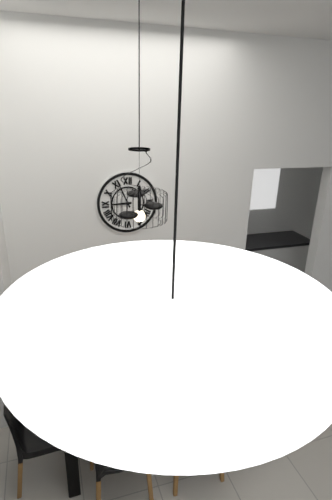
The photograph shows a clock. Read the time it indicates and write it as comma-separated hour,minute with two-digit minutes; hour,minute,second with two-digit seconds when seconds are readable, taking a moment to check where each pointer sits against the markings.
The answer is 8,56
